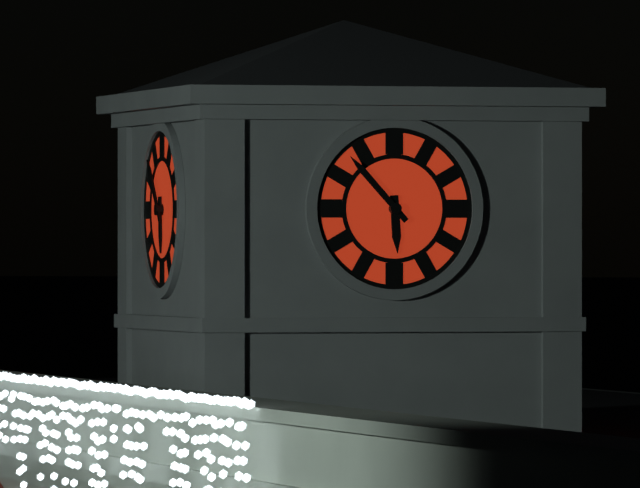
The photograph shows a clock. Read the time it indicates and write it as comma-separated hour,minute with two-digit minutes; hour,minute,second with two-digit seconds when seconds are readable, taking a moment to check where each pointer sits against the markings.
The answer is 5,53
